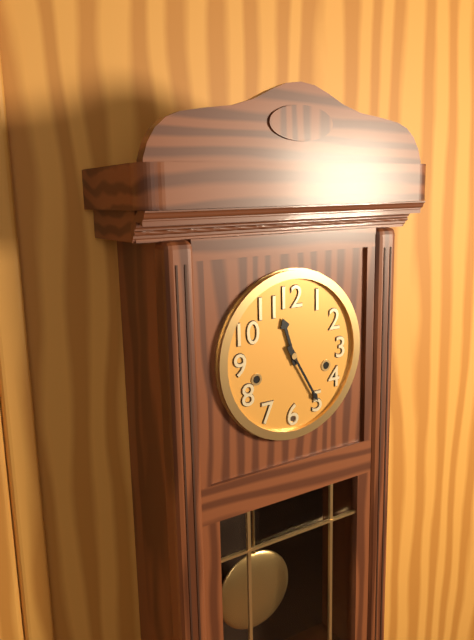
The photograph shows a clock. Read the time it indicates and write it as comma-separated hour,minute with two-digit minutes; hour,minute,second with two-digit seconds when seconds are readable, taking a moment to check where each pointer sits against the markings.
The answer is 11,25
